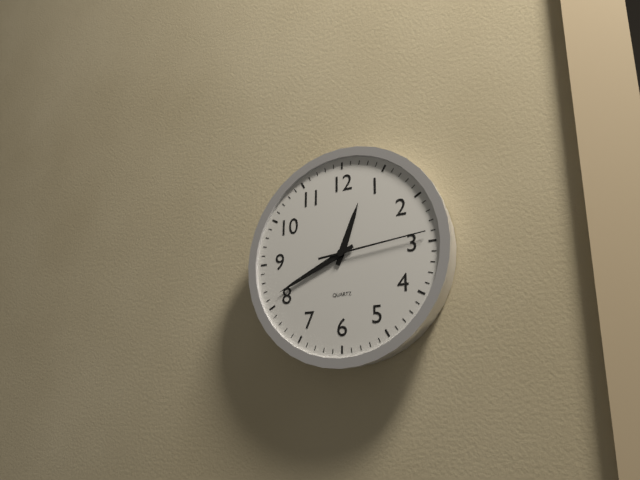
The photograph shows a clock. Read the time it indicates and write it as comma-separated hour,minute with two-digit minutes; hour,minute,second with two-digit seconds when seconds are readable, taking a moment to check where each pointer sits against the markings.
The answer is 12,41,14
